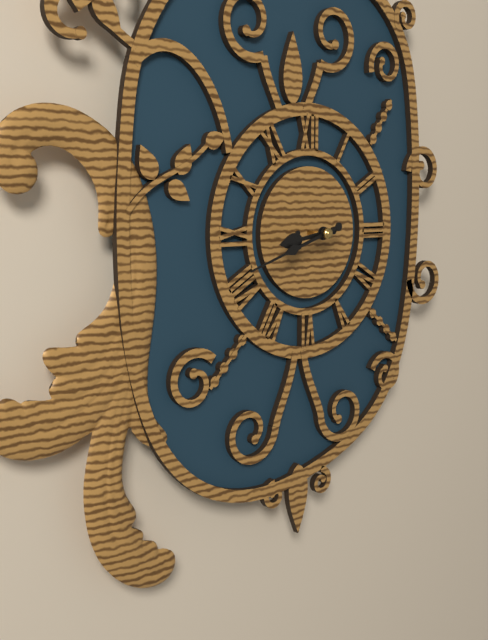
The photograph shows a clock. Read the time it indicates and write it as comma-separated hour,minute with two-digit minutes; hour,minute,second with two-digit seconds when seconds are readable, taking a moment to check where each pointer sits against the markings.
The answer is 8,42
